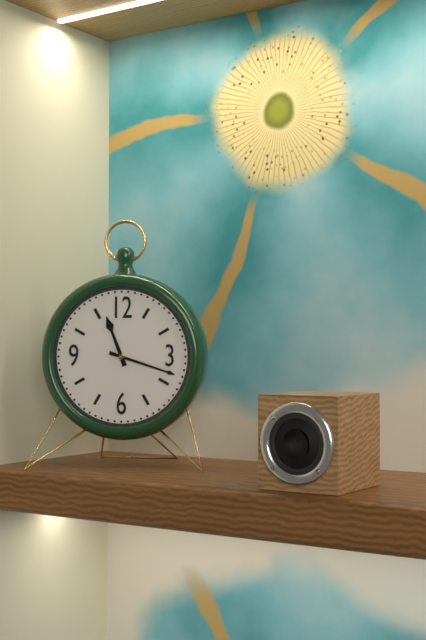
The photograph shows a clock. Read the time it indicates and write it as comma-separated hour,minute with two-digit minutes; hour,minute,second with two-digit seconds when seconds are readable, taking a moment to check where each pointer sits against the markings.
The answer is 11,18
